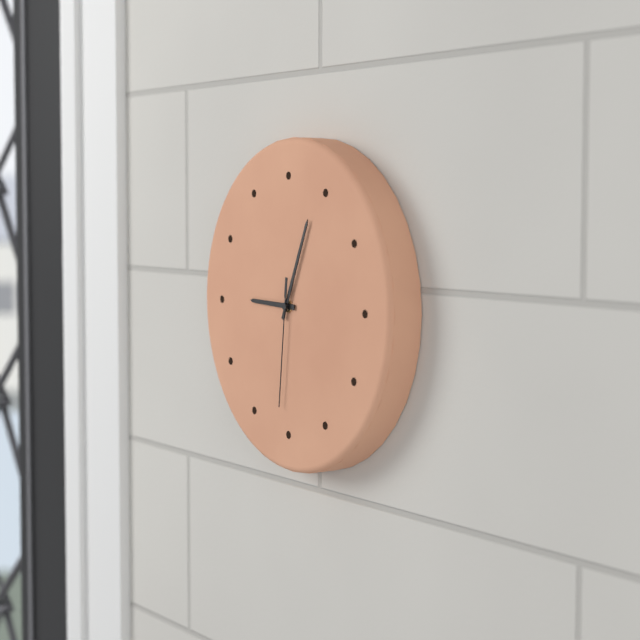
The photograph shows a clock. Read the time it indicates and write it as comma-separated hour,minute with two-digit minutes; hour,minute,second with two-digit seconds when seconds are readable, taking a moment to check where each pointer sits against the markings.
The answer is 9,04,31
